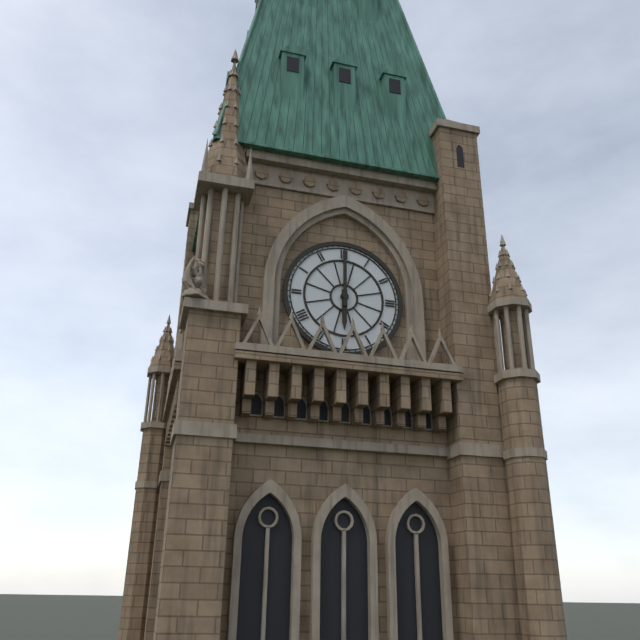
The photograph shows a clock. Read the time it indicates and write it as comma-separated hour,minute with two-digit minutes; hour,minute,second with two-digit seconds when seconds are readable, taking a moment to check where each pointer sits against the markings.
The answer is 6,00
